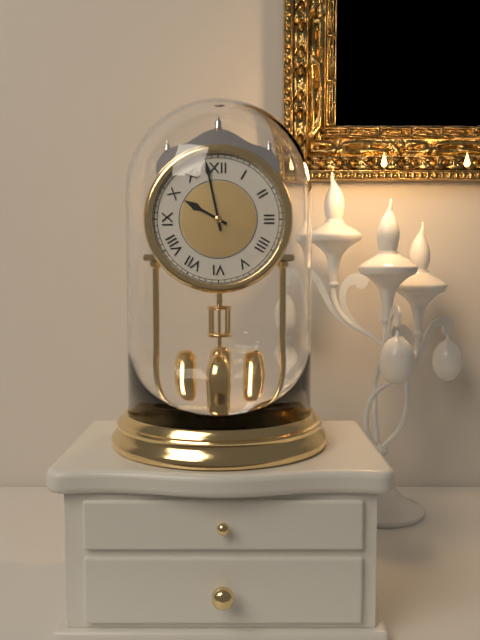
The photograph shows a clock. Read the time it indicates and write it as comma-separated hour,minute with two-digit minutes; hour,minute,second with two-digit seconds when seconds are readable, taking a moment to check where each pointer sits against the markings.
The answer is 9,58
